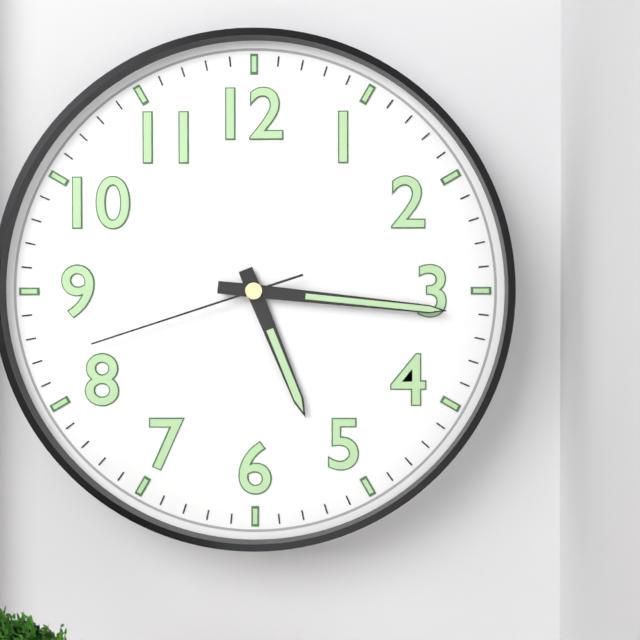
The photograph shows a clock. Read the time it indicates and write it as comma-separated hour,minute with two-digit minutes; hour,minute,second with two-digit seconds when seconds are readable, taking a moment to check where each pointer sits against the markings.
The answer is 5,16,42
